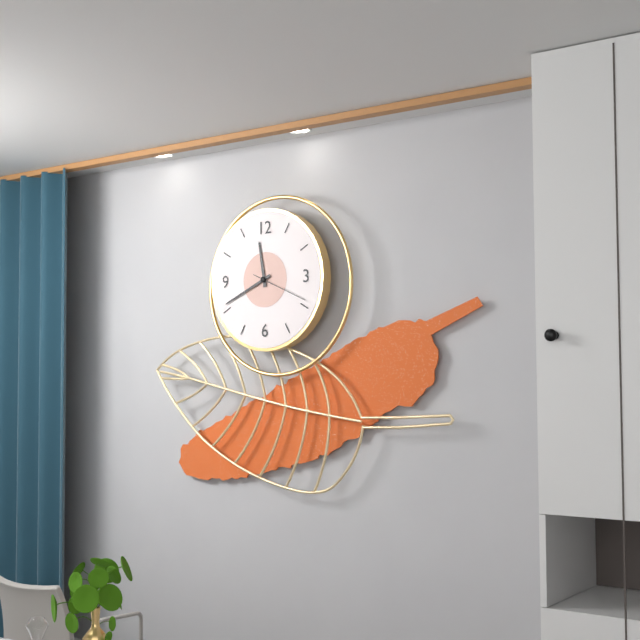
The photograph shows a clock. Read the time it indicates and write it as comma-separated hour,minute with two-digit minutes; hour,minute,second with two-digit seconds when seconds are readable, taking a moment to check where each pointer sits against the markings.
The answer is 11,41,19
